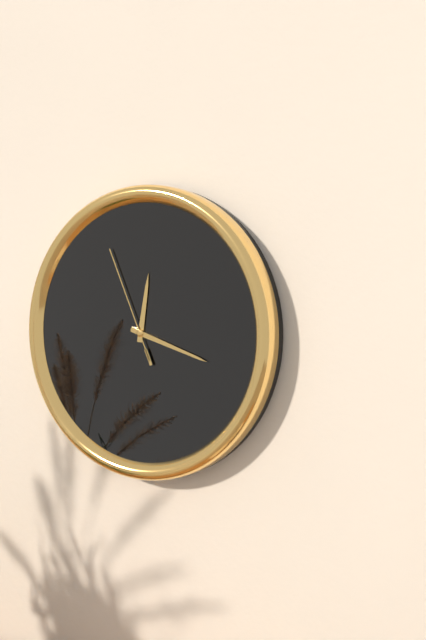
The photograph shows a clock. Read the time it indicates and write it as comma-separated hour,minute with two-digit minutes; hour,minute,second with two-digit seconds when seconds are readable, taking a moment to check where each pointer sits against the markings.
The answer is 12,18,56
